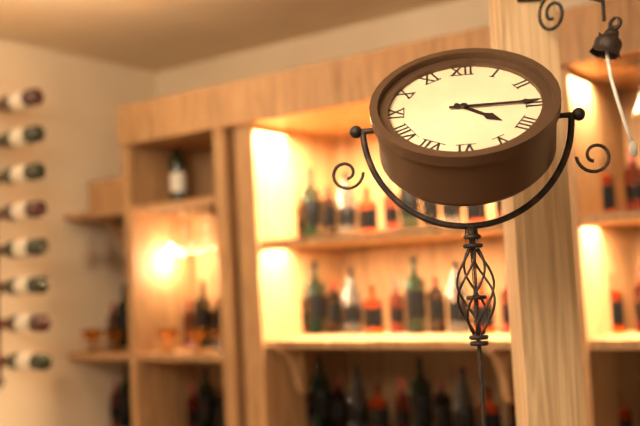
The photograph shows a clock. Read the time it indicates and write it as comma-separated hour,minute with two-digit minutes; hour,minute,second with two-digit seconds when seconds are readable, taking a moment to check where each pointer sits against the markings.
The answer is 4,15
